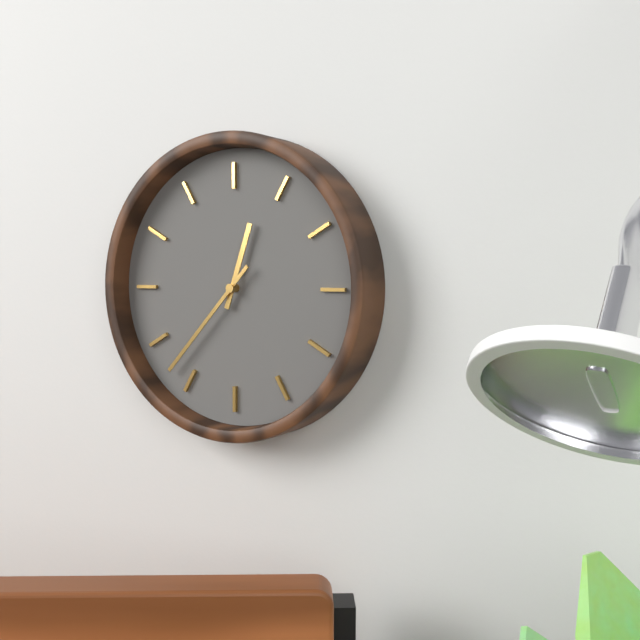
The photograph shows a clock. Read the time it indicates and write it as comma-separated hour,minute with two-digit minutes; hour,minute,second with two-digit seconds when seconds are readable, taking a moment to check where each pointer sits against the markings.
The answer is 12,37
